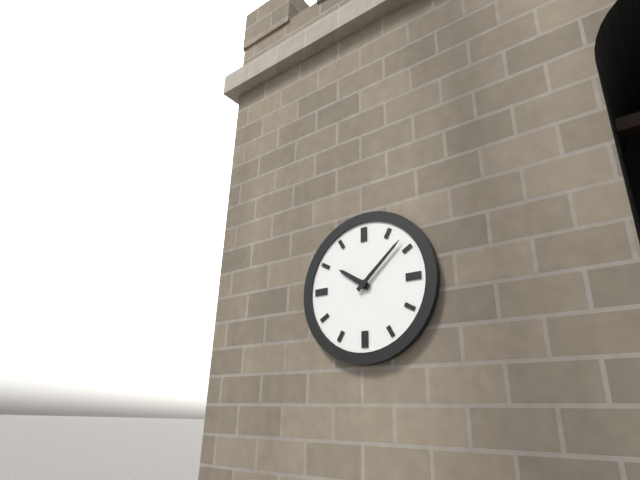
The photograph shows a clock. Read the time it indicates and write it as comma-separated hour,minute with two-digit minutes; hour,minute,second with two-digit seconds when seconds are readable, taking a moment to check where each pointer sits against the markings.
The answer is 10,08
